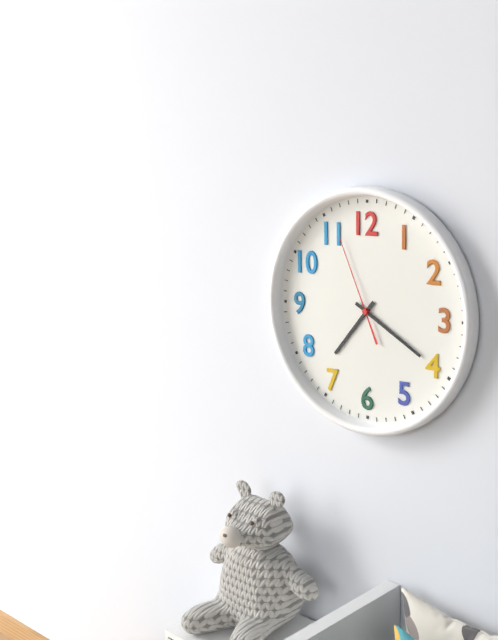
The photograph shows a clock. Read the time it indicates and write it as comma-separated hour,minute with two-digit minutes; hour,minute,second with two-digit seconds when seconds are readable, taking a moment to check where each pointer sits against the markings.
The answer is 7,20,56
